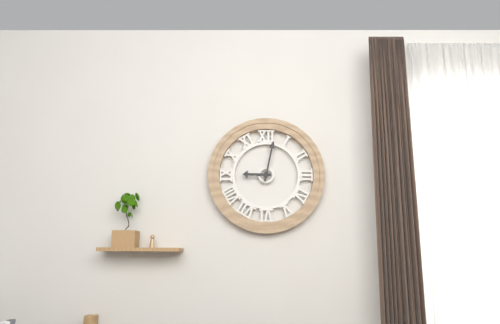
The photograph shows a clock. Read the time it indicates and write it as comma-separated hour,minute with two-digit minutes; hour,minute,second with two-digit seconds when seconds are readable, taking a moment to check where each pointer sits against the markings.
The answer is 9,02
